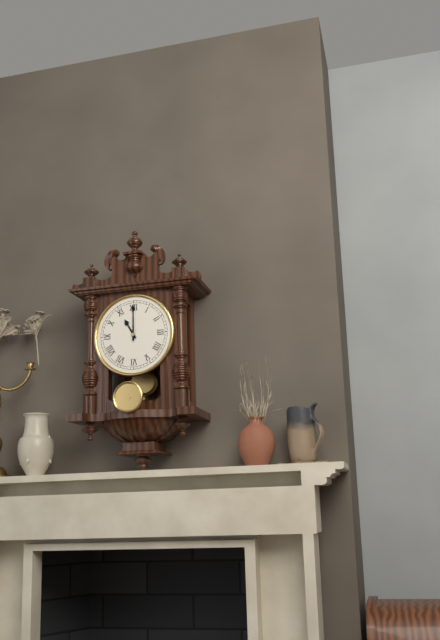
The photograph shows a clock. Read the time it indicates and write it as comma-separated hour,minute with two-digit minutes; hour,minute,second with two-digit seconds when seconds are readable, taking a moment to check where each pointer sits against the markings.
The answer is 11,00
